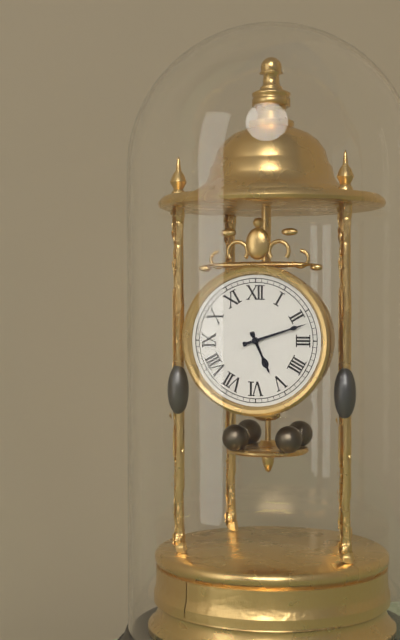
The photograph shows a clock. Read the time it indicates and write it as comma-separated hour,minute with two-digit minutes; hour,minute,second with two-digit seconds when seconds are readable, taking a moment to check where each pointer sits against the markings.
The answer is 5,12
